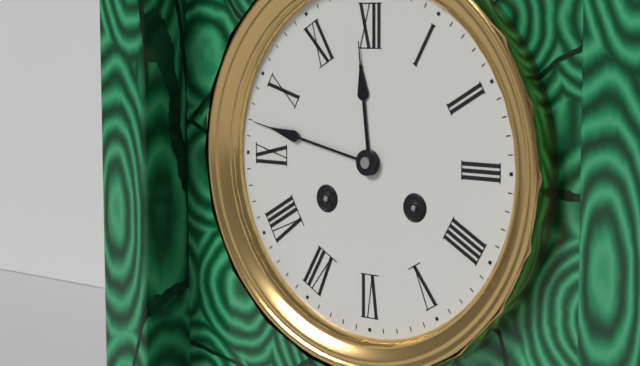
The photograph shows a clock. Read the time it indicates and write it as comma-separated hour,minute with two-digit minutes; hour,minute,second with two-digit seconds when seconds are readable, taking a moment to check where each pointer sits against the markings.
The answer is 11,47
